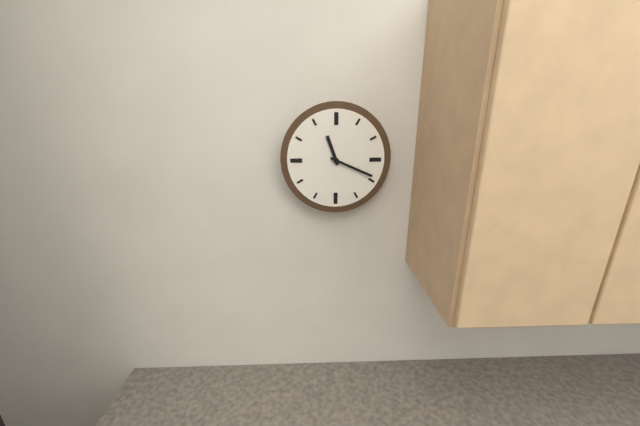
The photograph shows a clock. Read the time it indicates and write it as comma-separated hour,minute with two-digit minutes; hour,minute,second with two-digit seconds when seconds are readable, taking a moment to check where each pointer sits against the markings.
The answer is 11,19
